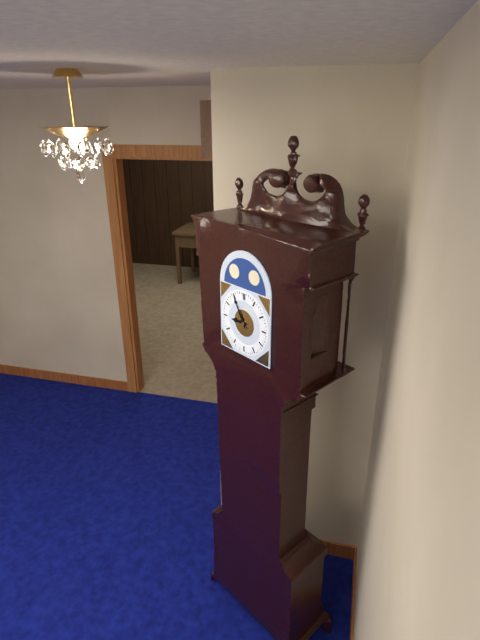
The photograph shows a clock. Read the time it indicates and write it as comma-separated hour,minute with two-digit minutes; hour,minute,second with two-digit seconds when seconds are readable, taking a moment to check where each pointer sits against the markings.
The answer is 8,55
